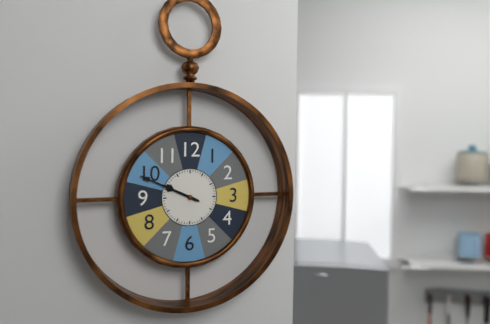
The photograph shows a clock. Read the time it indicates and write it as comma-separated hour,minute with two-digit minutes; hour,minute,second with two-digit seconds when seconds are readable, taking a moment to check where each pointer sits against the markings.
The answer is 9,49
